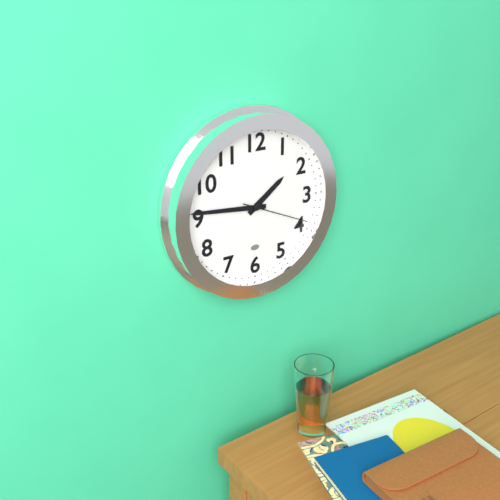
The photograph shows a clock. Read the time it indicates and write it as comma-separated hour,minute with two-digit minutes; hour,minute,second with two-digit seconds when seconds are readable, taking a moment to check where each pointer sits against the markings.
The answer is 1,46,19
